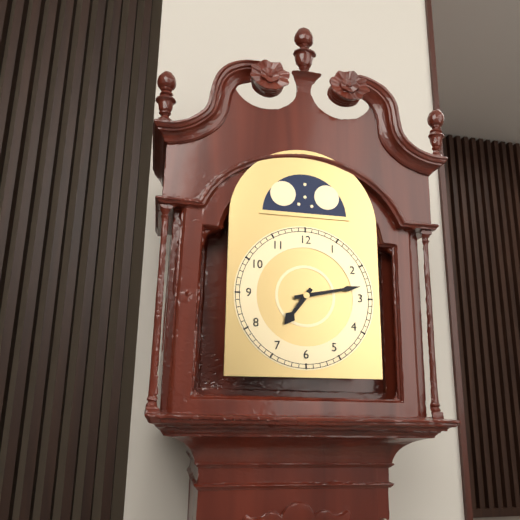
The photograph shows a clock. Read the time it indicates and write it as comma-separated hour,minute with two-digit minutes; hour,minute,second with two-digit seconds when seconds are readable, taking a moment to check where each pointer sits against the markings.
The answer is 7,13
